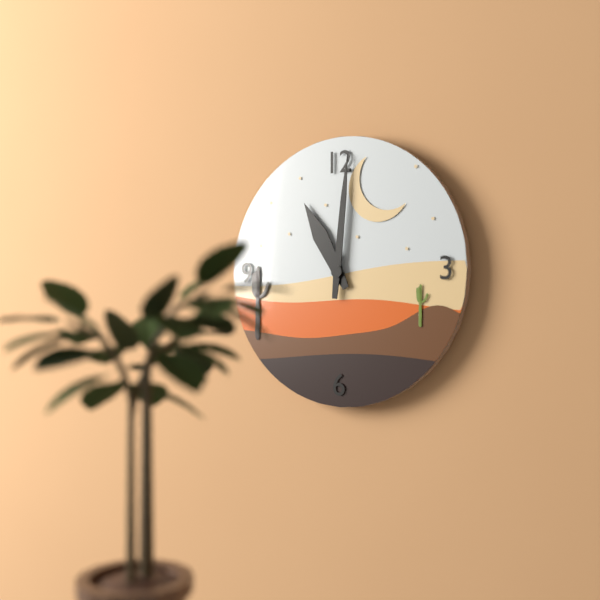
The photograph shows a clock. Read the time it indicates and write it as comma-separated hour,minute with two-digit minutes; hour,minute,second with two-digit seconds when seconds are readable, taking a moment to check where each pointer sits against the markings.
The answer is 11,01
